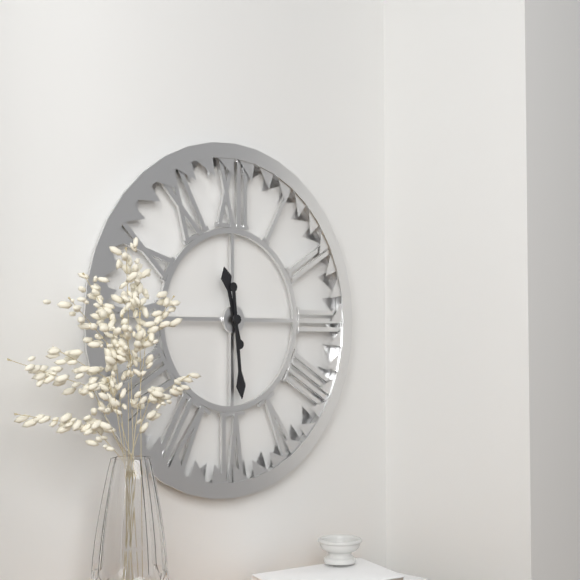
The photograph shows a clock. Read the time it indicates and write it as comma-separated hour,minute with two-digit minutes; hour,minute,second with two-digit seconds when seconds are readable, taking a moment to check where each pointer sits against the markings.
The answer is 11,29
